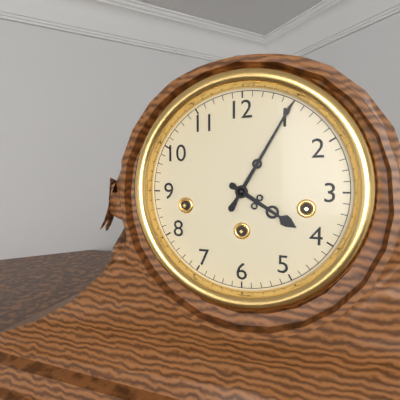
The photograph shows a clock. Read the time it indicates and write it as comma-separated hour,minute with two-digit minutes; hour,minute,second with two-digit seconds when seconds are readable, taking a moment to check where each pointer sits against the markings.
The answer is 4,05
